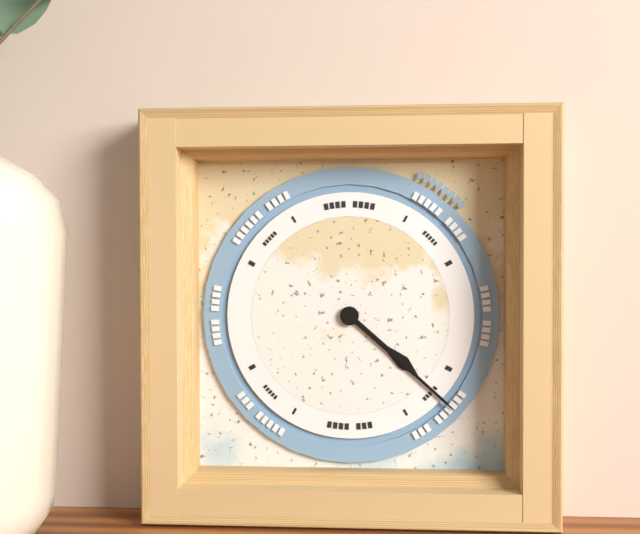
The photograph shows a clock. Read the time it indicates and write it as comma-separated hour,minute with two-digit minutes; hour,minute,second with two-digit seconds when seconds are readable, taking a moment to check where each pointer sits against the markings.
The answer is 4,22
